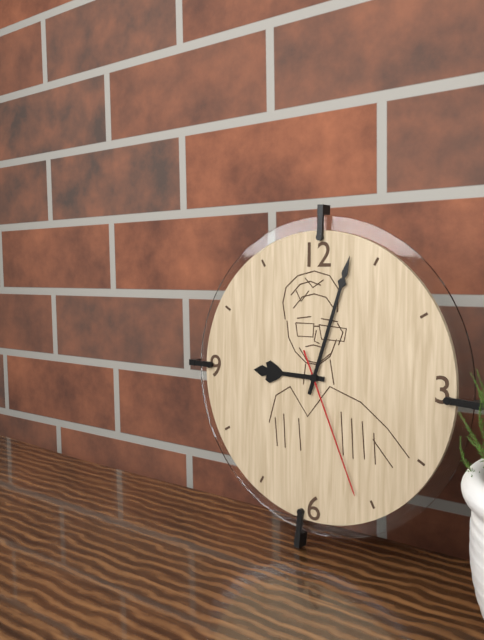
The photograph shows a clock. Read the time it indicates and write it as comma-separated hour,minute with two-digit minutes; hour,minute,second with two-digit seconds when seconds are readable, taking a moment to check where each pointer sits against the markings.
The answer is 9,03,26
